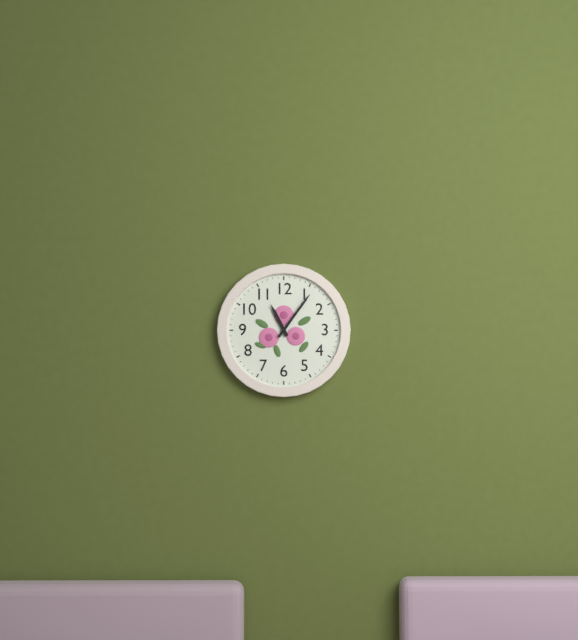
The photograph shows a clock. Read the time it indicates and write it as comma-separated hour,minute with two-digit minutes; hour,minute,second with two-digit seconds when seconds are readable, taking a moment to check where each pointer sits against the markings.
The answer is 11,06
